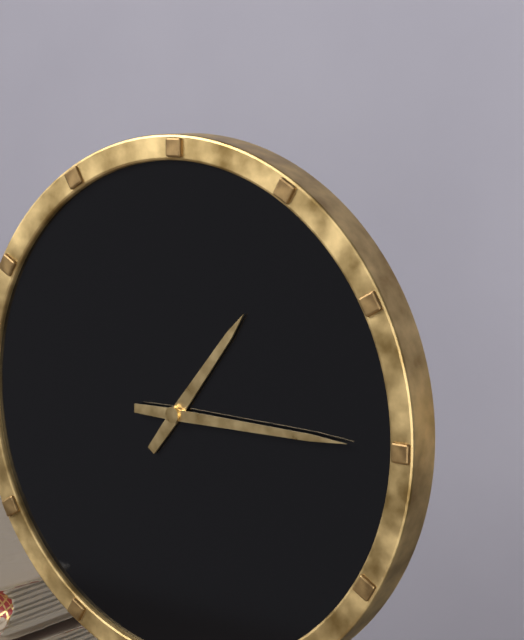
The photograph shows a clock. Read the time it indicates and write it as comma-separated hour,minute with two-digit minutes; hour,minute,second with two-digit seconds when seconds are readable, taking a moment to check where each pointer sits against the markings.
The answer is 1,15
